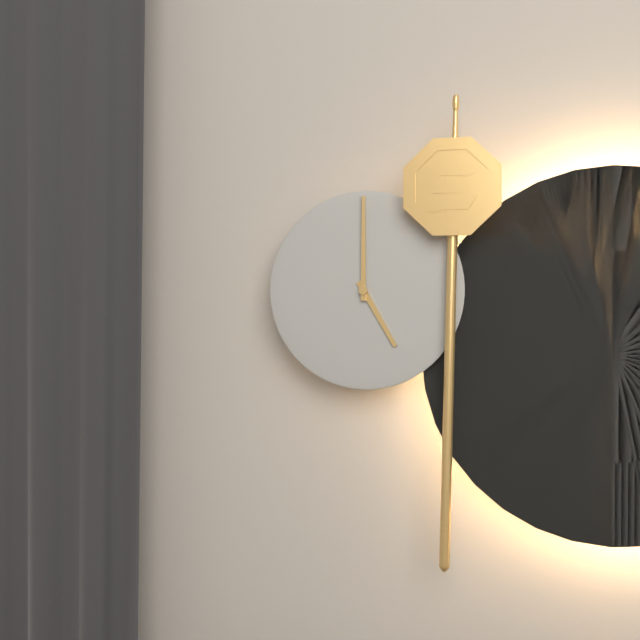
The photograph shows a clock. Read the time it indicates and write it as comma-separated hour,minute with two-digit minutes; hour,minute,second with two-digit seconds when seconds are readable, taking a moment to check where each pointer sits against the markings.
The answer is 5,00
